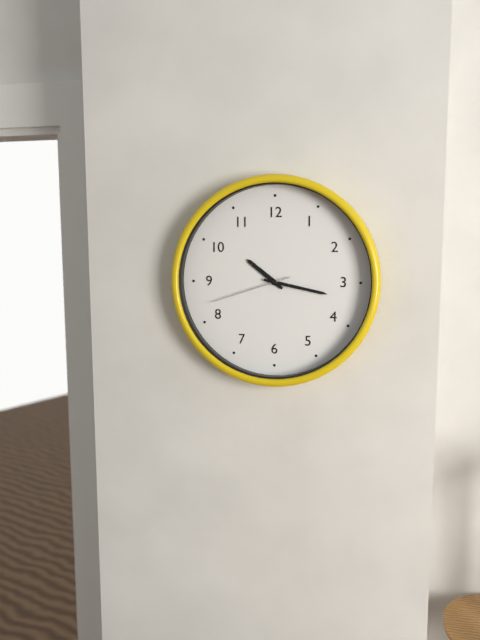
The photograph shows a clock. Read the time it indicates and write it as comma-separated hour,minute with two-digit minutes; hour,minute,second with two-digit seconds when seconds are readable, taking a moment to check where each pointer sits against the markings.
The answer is 10,17,42
